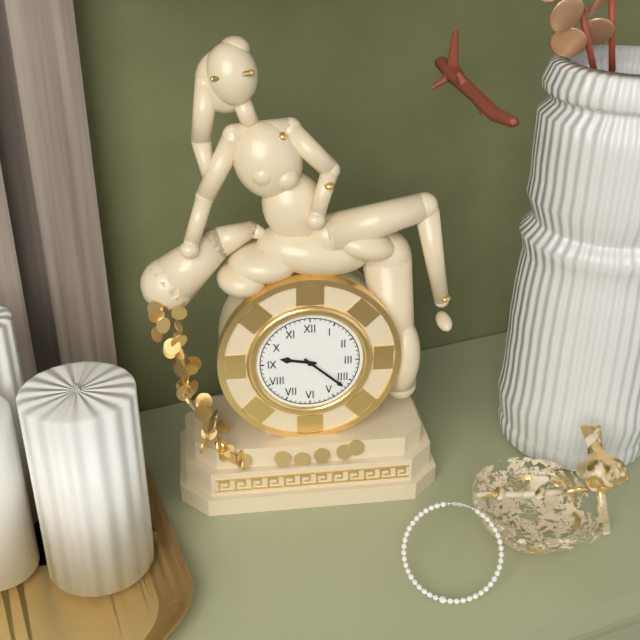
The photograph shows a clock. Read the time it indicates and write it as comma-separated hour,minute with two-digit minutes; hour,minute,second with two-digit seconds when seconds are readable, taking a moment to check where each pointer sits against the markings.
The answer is 9,22
